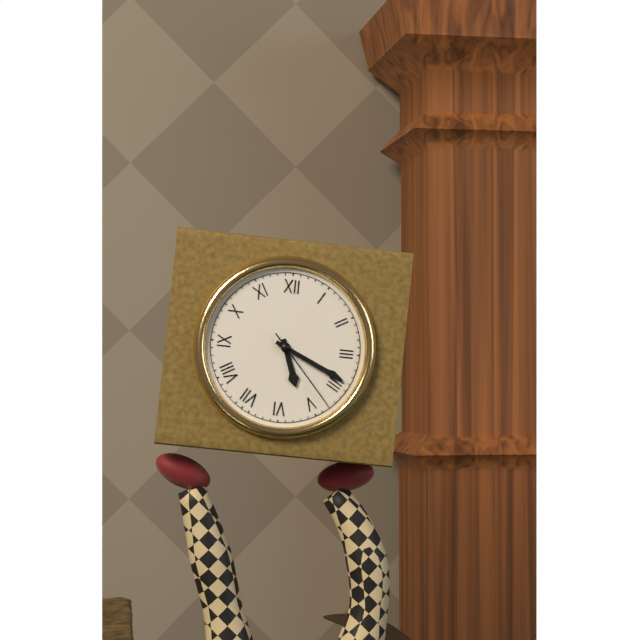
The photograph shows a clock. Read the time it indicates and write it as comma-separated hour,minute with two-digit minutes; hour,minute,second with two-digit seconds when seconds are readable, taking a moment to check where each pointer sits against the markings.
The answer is 5,19,23
